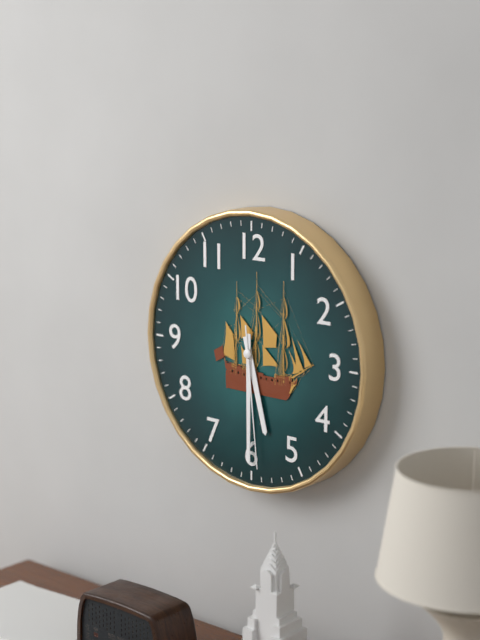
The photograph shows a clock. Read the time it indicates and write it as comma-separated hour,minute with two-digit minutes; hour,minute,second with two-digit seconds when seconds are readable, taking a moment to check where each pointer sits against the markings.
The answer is 5,30,29
